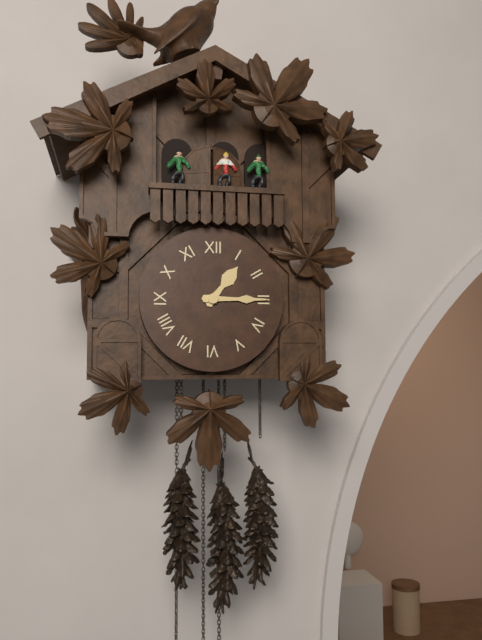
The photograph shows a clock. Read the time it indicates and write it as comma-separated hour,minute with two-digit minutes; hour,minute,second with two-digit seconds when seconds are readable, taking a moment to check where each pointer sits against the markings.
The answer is 1,15
